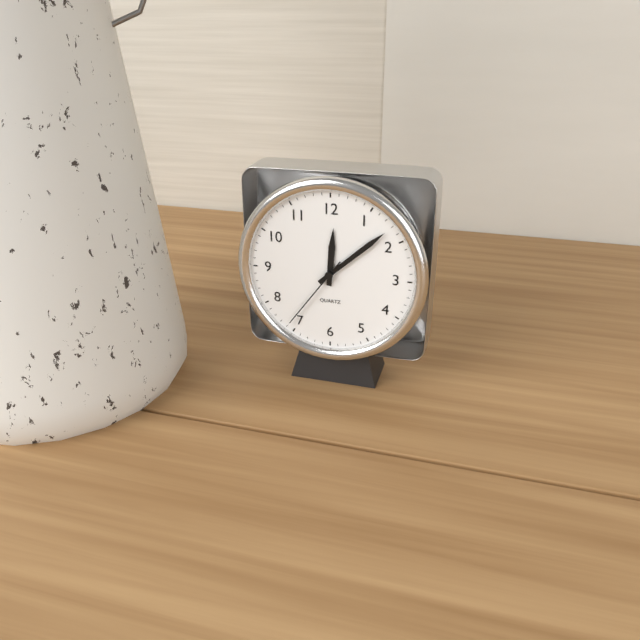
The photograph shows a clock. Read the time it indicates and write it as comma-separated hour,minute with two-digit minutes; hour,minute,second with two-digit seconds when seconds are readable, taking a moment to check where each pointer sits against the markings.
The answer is 12,08,36
